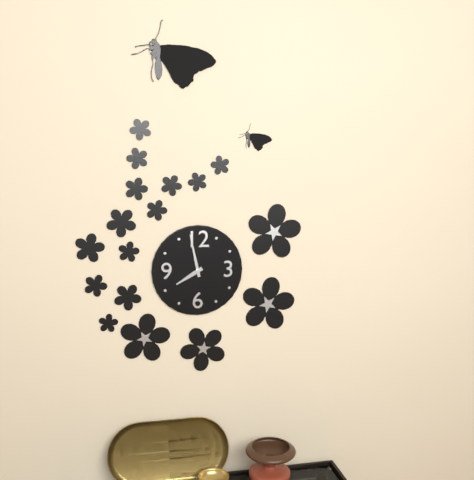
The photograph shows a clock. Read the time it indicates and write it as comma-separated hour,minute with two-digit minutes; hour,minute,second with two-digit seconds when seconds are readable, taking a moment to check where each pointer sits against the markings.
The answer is 7,58
